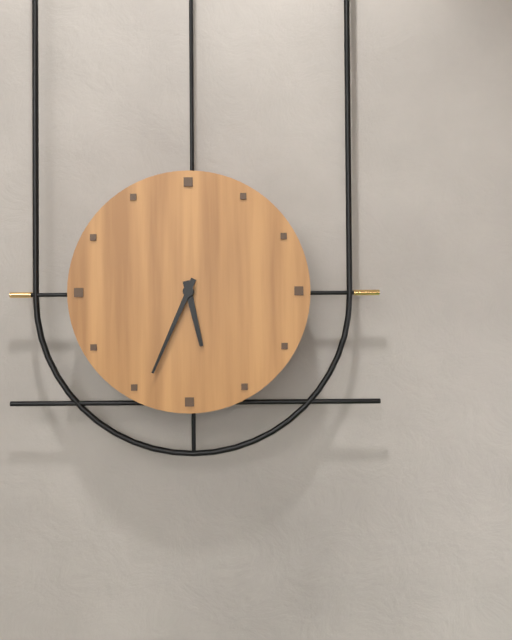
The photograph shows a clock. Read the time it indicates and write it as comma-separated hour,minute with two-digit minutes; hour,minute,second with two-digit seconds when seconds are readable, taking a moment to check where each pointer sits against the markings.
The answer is 5,34
